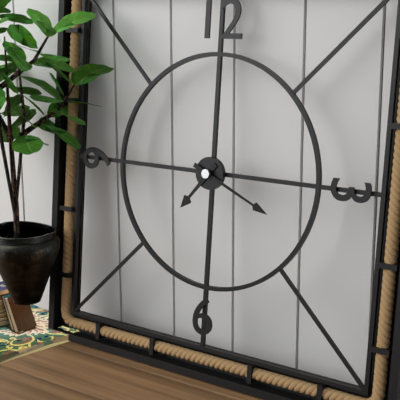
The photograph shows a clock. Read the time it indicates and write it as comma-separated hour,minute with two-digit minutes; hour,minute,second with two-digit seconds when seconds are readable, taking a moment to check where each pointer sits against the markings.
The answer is 7,19
